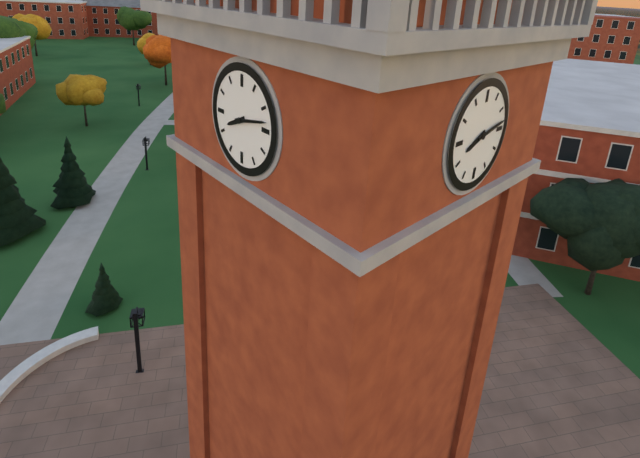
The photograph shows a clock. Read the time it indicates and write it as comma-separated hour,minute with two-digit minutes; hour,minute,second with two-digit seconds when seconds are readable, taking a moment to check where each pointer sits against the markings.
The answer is 8,13
